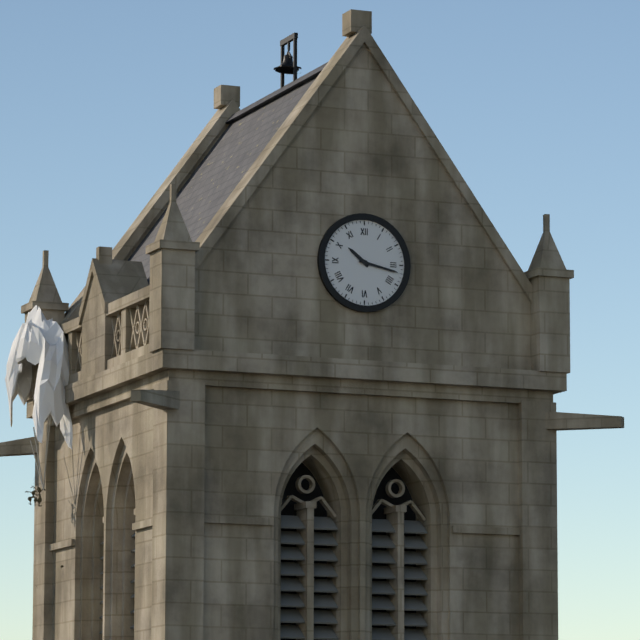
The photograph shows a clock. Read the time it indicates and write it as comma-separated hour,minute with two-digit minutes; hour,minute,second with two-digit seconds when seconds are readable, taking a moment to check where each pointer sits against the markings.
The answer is 10,17
